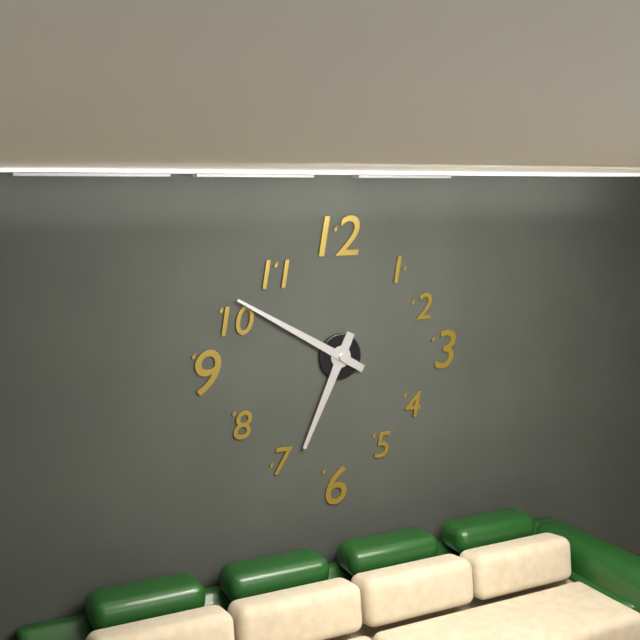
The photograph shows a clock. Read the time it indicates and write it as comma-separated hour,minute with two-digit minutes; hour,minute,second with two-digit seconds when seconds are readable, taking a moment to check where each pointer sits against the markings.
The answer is 6,50
